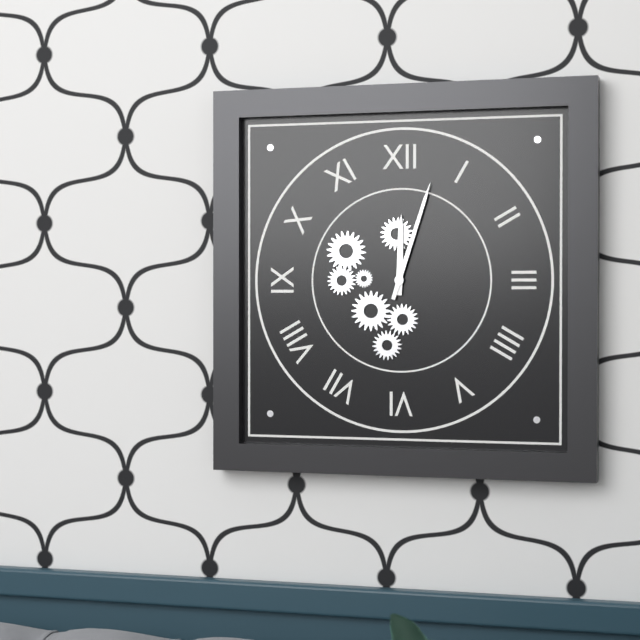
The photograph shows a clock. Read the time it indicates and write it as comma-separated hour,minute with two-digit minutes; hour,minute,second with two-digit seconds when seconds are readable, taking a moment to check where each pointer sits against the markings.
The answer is 12,03
